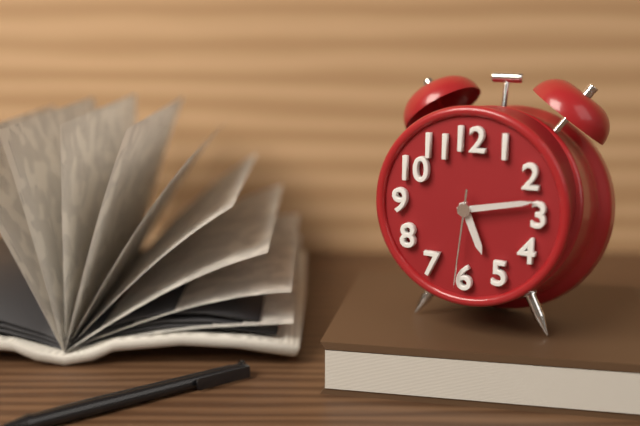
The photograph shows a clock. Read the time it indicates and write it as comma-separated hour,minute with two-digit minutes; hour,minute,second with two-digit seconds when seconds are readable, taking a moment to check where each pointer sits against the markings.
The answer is 5,13,31
